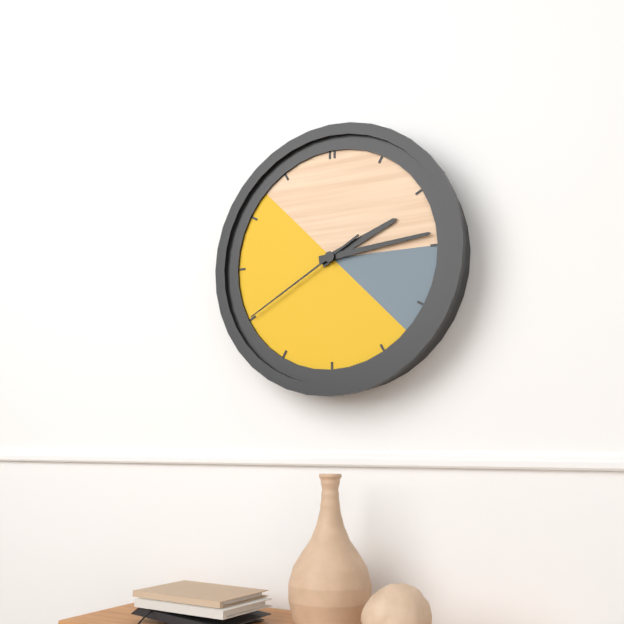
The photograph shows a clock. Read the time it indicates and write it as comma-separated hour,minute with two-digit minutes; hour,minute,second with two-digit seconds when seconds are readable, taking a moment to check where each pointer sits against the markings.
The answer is 2,14,40
